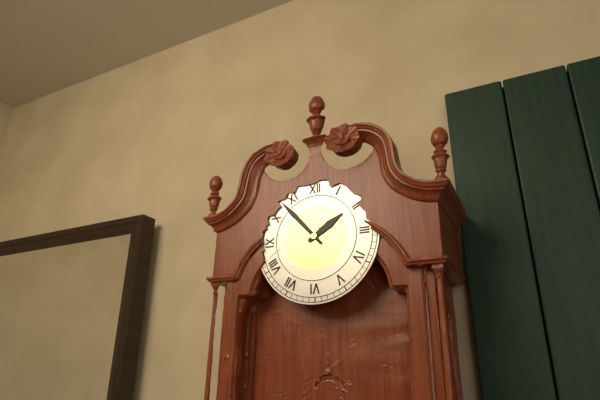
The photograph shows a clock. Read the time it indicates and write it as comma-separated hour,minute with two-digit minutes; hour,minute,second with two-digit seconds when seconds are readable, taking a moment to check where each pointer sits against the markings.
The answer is 1,53
